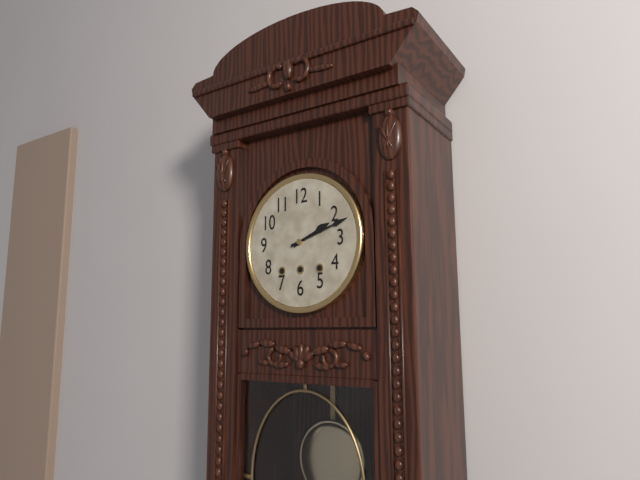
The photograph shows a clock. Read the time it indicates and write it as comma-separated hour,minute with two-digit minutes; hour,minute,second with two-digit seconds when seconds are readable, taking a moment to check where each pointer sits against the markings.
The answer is 2,12
